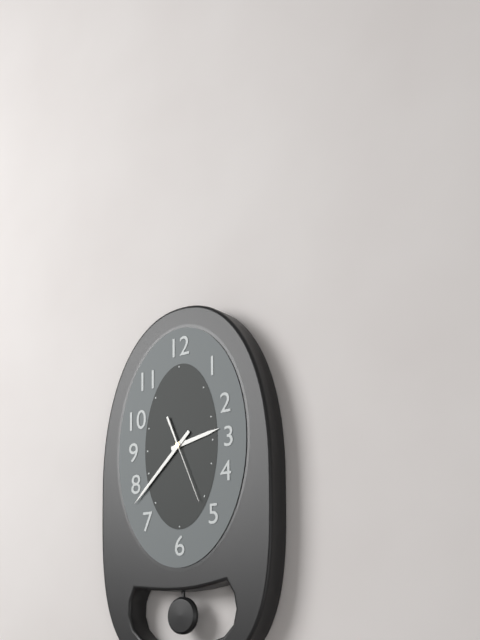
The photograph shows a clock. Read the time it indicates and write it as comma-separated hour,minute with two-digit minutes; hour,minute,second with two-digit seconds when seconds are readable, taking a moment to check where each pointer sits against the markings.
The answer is 2,38,26
